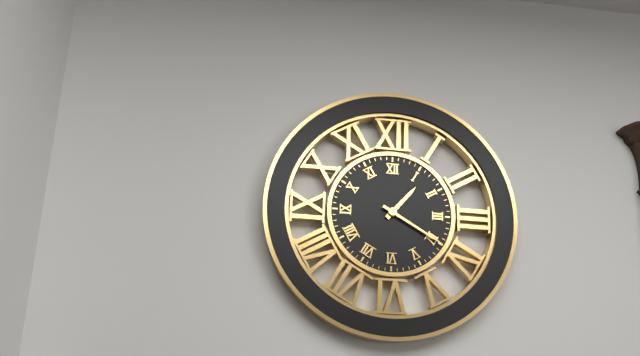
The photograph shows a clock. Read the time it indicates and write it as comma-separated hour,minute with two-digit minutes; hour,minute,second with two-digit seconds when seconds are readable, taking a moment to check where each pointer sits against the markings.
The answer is 1,20
